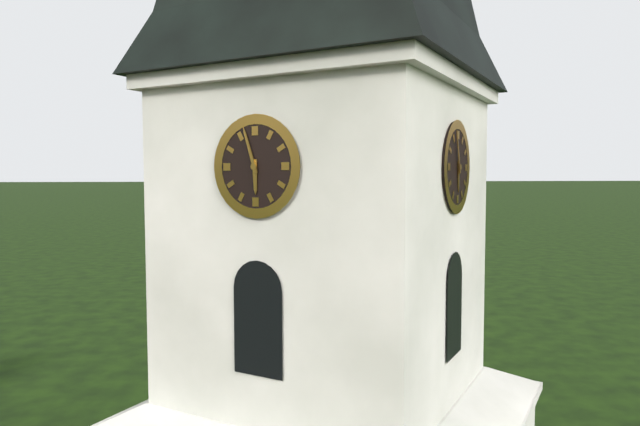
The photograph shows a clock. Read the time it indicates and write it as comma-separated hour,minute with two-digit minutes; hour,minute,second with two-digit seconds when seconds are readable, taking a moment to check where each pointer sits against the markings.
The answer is 5,57
